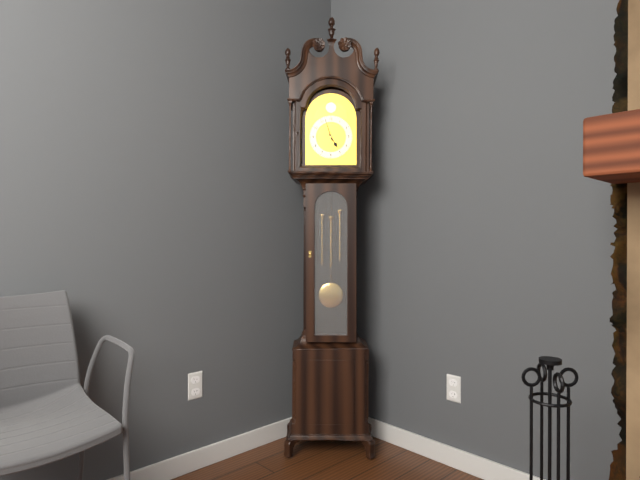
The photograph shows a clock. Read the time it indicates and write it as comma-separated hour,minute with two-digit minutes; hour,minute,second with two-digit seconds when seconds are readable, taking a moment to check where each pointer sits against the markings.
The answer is 4,57
